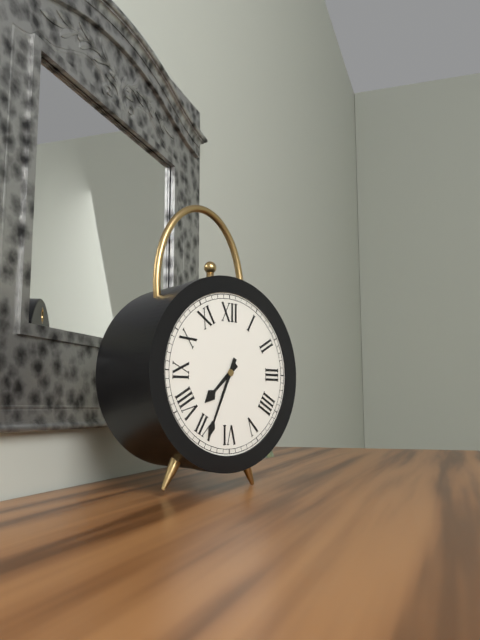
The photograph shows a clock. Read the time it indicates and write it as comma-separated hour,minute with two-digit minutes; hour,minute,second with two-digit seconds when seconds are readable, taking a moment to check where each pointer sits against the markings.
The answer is 7,34
